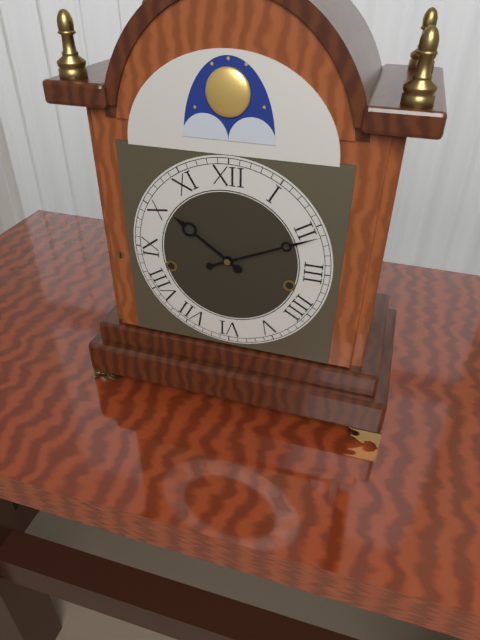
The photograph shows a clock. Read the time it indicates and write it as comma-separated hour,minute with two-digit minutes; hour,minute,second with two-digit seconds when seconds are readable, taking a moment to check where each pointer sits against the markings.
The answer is 10,11
